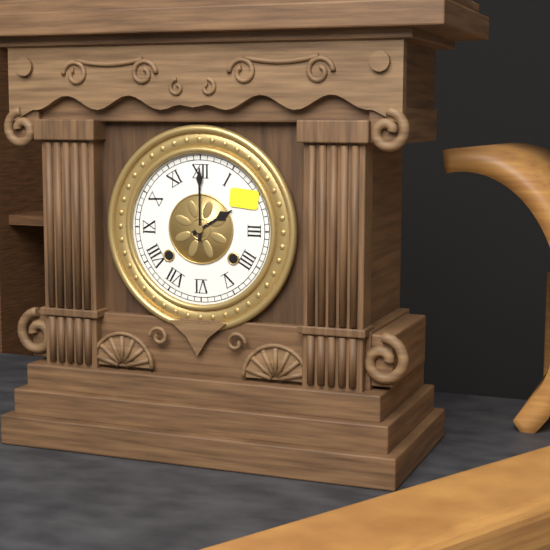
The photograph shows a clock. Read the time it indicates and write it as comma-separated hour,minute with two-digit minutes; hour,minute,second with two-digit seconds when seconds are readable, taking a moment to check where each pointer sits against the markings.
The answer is 2,00
